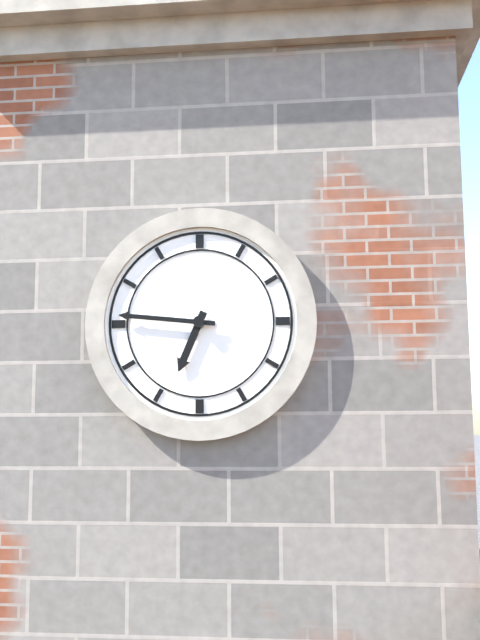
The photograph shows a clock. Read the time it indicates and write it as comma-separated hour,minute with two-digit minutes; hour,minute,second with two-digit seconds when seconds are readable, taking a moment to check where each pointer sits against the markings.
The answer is 6,46
